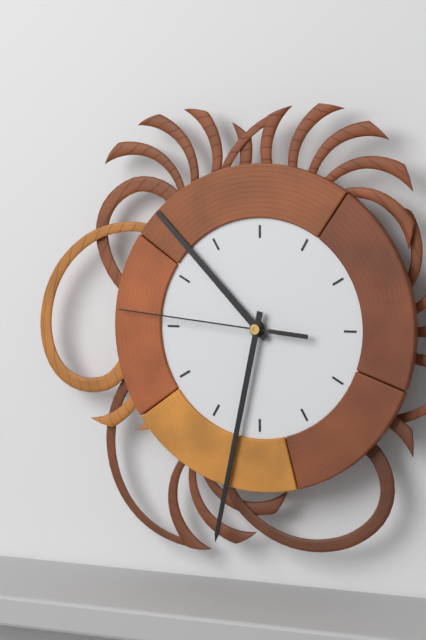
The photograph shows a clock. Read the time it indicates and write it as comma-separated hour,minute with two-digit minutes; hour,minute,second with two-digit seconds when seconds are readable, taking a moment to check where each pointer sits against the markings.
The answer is 10,32,46
